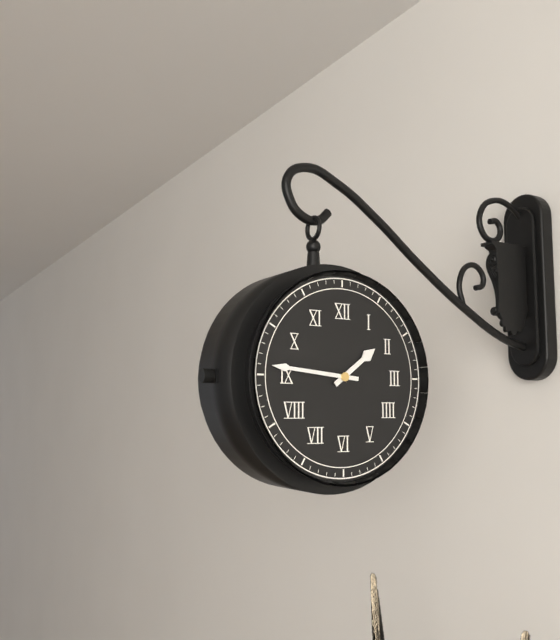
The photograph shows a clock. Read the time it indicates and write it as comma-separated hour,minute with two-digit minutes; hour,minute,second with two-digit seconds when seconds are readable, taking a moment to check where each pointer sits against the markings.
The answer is 1,46
